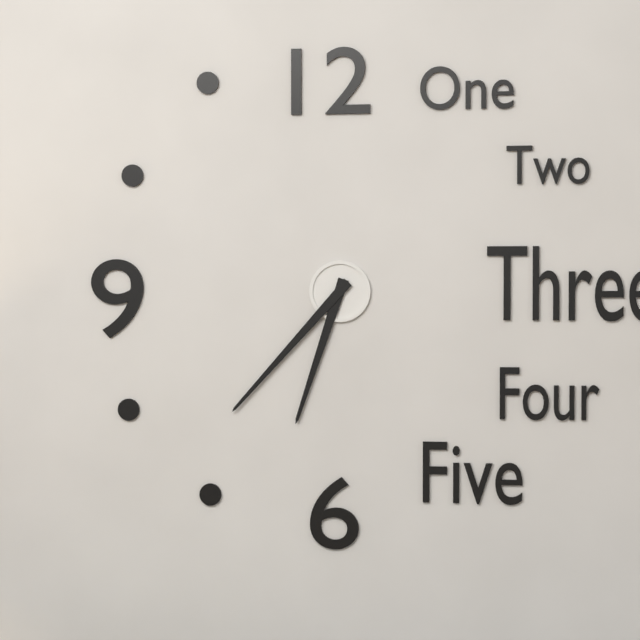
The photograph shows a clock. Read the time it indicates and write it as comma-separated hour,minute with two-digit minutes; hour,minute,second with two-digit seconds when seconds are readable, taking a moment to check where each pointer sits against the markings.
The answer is 6,37
